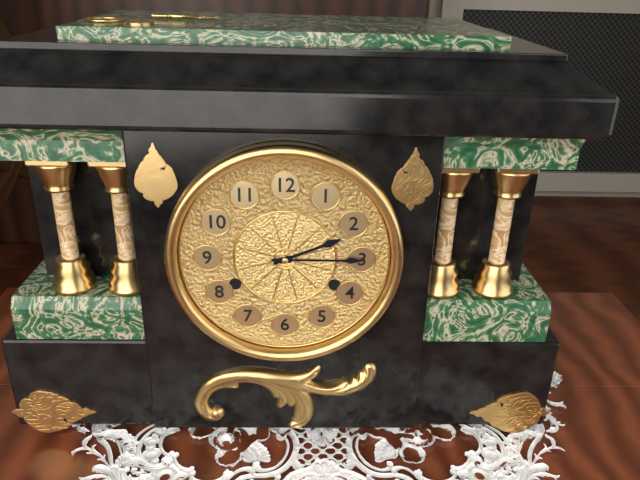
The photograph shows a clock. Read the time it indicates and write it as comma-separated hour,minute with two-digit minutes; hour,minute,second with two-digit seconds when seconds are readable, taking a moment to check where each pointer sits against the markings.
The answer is 2,15
